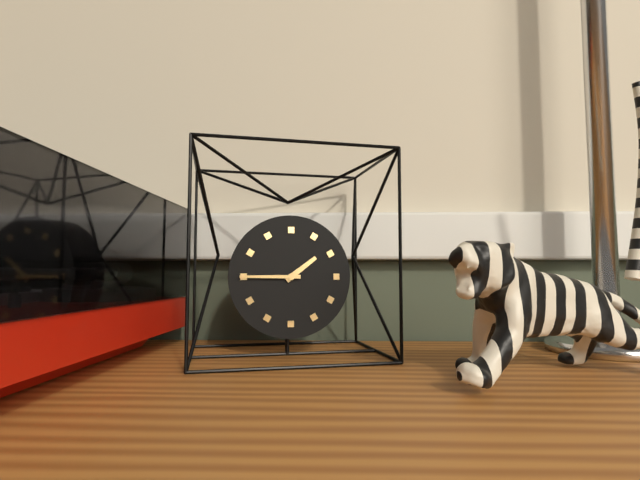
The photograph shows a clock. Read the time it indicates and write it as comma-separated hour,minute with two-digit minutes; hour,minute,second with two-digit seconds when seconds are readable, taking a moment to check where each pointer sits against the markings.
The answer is 1,45
